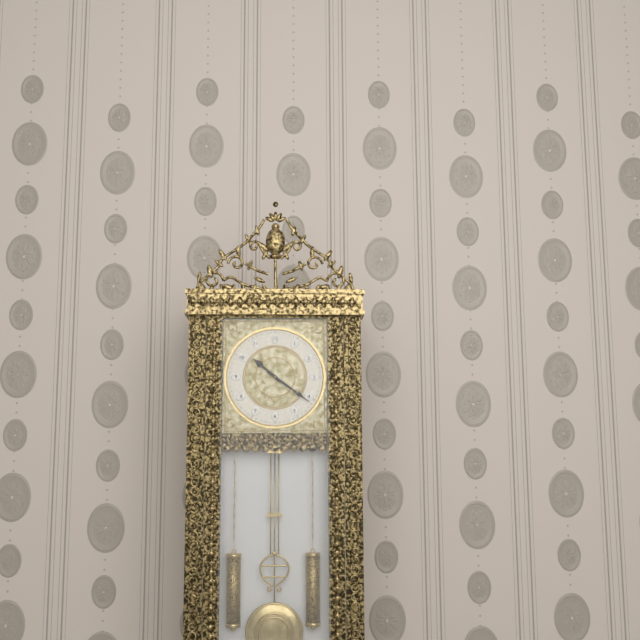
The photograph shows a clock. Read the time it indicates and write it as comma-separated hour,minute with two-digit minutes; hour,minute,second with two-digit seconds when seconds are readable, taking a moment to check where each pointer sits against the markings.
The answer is 10,21
